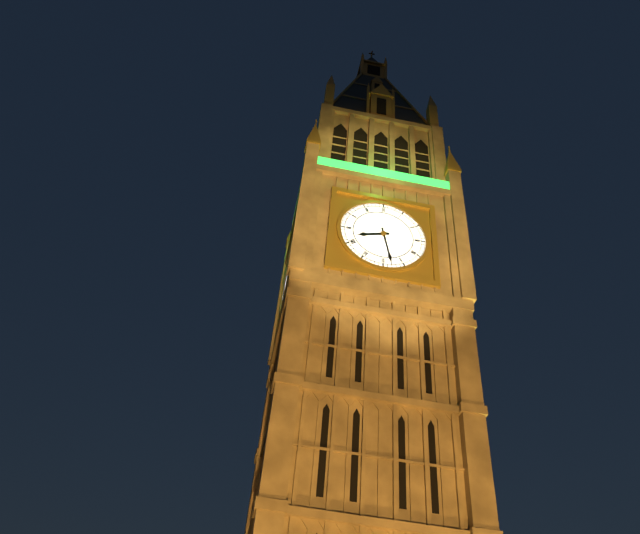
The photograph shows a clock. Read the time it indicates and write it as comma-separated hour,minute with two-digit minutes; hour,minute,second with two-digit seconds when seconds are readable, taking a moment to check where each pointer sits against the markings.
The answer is 8,28
